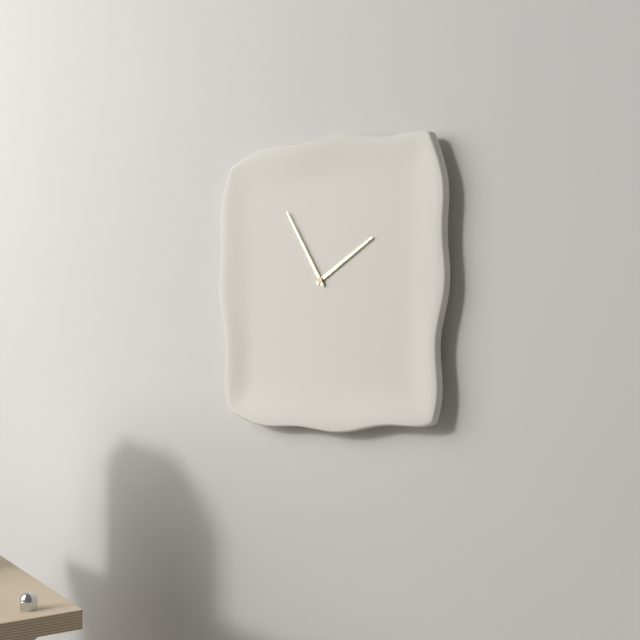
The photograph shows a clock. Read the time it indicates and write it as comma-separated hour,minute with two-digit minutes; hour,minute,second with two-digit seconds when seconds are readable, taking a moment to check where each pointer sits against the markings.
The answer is 1,55
